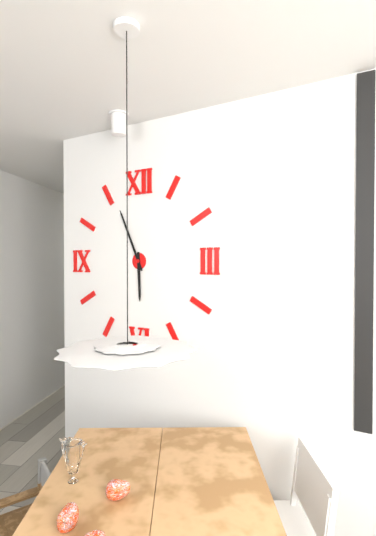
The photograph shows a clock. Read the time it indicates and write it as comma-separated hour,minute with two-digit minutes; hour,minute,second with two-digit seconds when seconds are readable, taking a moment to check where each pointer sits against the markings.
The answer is 5,56
